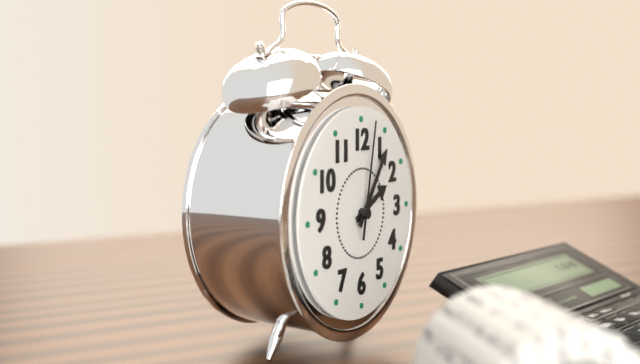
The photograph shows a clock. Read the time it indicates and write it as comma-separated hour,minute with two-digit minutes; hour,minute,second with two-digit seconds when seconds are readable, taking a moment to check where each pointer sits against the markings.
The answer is 2,06,02
